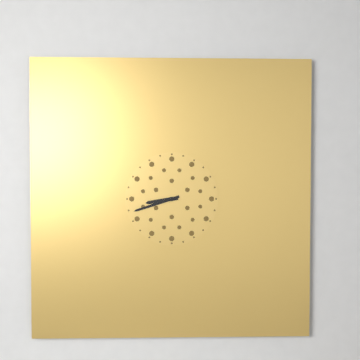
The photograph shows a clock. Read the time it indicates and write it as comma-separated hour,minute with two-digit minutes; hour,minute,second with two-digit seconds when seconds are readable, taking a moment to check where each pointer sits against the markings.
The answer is 8,42
